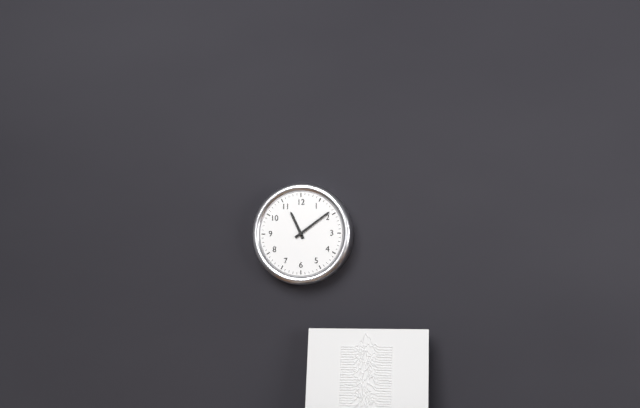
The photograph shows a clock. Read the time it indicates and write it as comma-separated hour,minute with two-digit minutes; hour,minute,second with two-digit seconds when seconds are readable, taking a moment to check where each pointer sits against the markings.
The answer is 11,09
